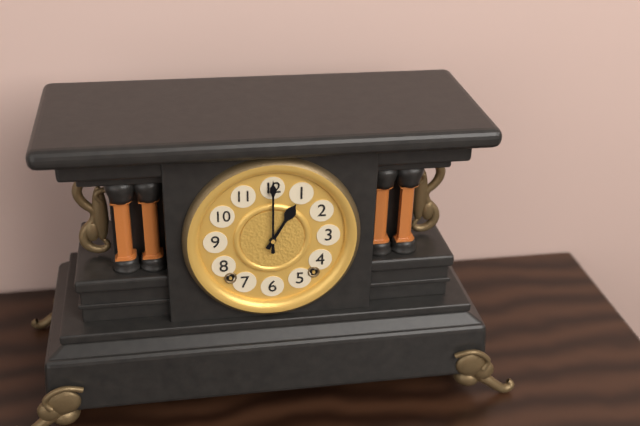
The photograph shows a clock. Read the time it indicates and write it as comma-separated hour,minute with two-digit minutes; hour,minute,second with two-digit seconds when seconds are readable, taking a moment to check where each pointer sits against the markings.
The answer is 1,00
